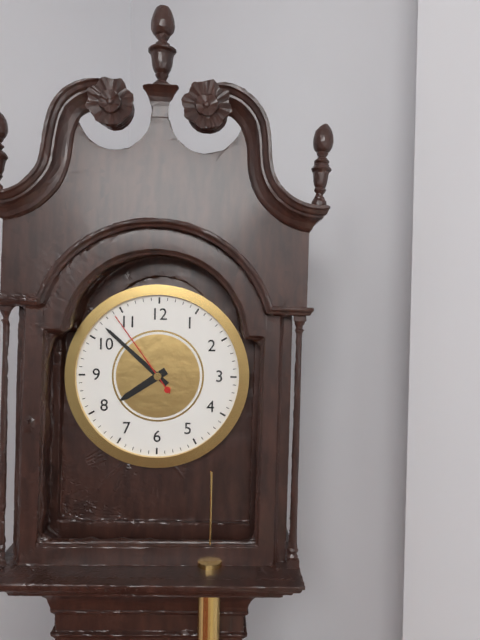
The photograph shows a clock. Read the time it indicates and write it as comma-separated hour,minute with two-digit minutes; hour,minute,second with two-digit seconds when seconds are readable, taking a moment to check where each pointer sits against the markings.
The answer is 7,52,54
